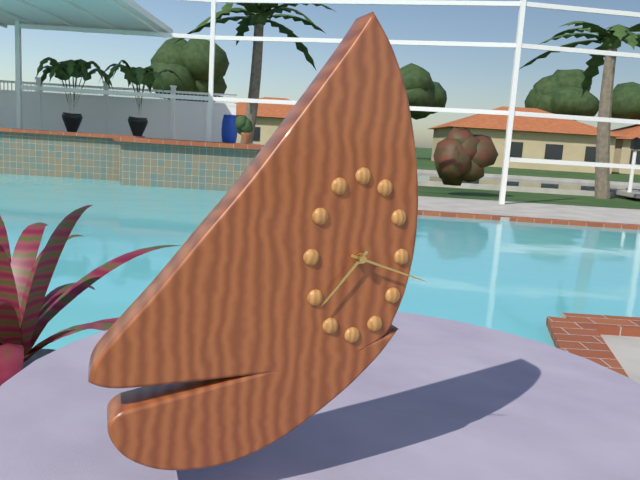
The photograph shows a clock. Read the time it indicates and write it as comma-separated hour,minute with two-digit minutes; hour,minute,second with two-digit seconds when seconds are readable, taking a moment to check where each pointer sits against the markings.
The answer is 7,18
